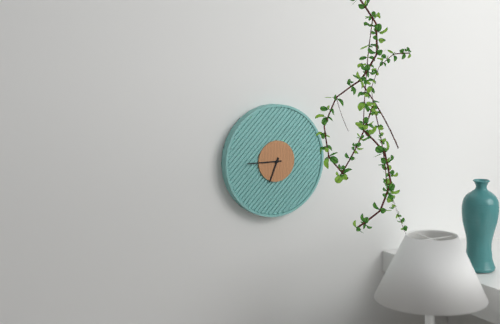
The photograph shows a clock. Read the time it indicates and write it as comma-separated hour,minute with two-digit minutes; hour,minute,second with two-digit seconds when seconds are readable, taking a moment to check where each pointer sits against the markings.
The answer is 6,45
